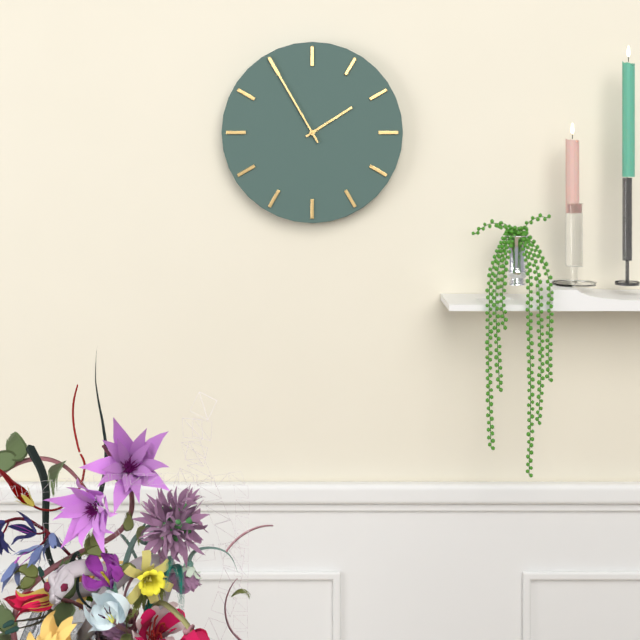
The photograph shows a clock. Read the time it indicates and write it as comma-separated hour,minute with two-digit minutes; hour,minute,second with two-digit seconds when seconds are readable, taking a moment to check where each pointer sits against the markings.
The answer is 1,55
